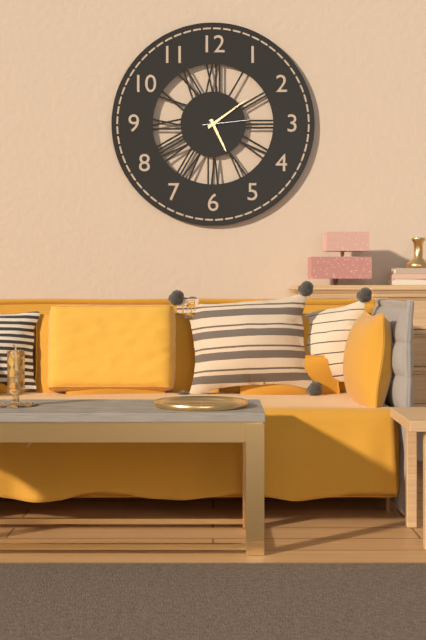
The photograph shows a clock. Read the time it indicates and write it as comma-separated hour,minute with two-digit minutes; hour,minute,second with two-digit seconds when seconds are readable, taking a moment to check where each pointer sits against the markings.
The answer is 5,09
